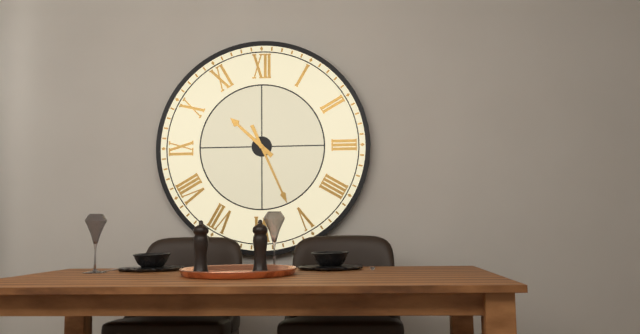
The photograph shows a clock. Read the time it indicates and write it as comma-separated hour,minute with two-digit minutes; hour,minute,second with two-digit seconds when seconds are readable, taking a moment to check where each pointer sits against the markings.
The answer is 10,26
